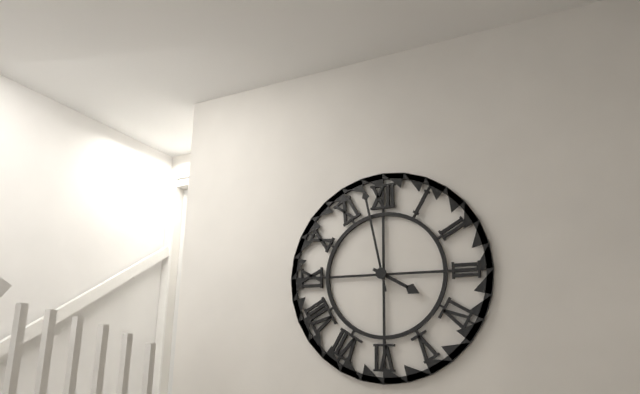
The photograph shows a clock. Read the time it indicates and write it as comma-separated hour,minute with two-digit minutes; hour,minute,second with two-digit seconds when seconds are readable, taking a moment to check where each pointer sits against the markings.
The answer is 3,58
